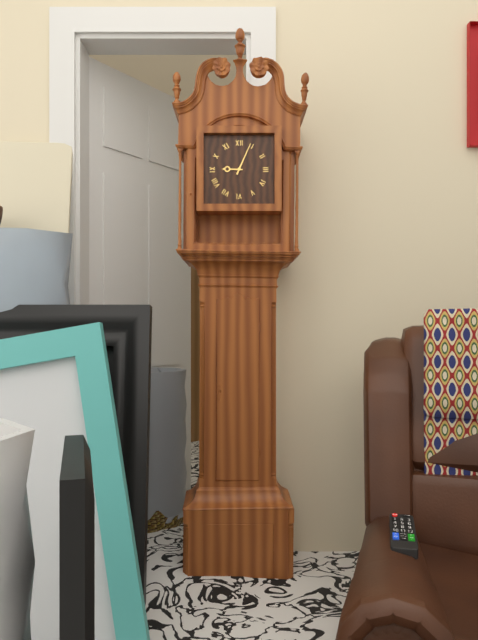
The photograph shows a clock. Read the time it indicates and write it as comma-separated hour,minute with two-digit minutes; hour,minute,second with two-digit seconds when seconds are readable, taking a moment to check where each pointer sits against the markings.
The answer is 9,04
